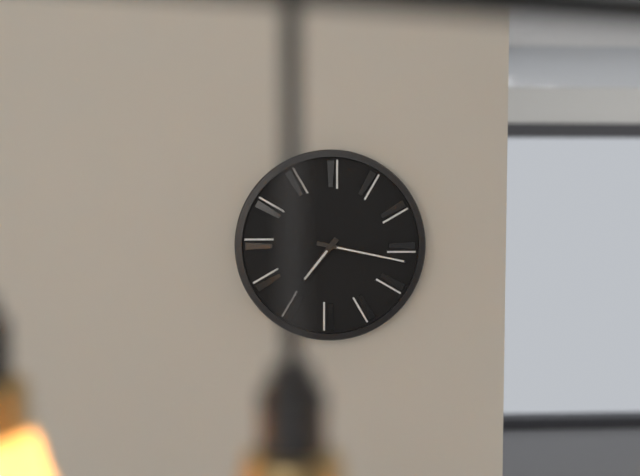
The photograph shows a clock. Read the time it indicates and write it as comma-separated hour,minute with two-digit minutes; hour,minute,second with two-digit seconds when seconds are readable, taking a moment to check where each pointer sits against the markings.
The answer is 7,17
